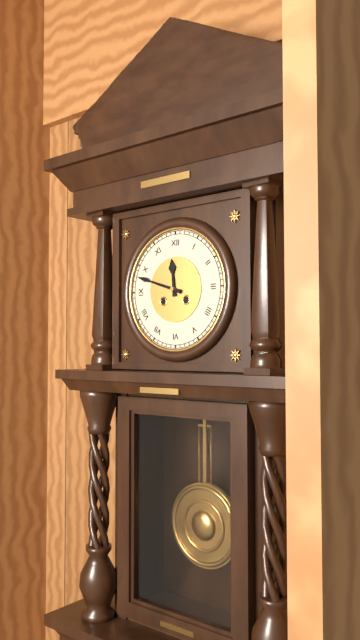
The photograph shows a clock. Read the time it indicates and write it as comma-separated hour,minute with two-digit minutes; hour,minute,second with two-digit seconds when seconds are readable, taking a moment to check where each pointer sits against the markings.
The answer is 11,48
